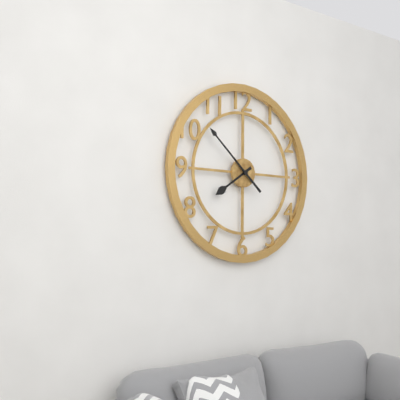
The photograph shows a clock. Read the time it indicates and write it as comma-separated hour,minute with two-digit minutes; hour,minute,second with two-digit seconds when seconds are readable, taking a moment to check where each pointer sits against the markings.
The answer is 7,52
